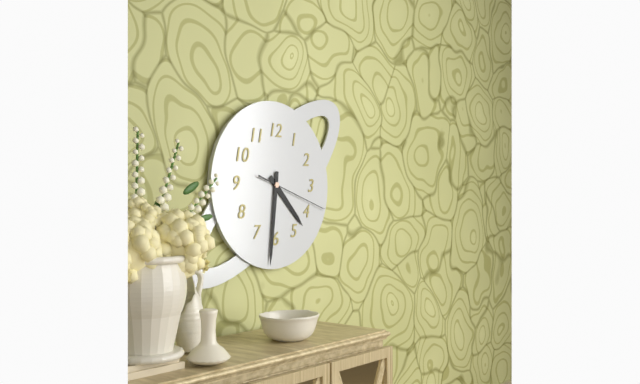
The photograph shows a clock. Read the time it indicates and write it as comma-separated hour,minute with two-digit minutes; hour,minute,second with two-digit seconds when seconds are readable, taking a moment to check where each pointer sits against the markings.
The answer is 4,31,18
